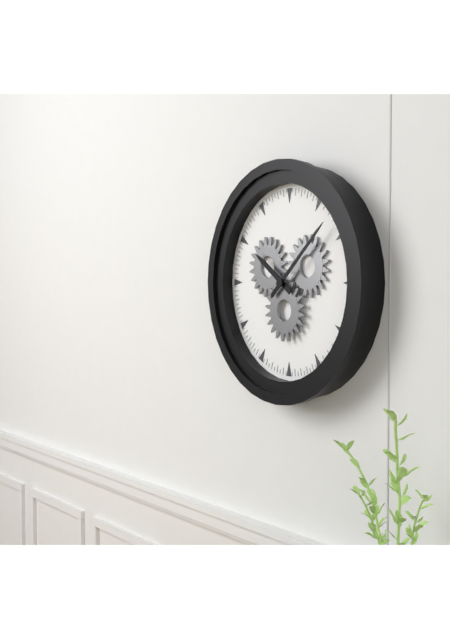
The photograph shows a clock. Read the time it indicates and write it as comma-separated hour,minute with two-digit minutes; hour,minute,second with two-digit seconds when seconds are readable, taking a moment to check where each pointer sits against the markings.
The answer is 10,08
